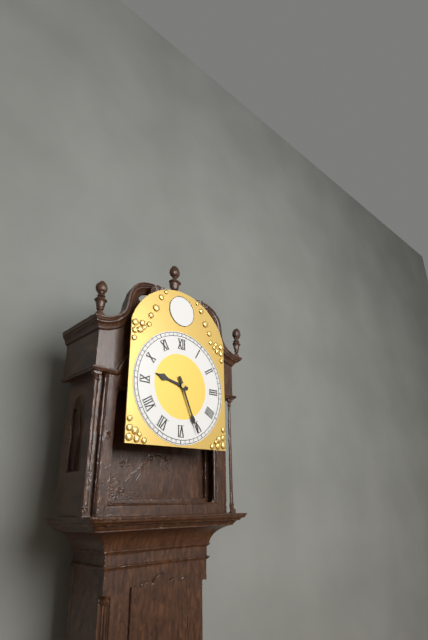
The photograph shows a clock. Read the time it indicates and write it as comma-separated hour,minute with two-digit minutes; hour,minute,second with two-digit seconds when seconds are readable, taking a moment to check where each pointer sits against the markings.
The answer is 9,26
